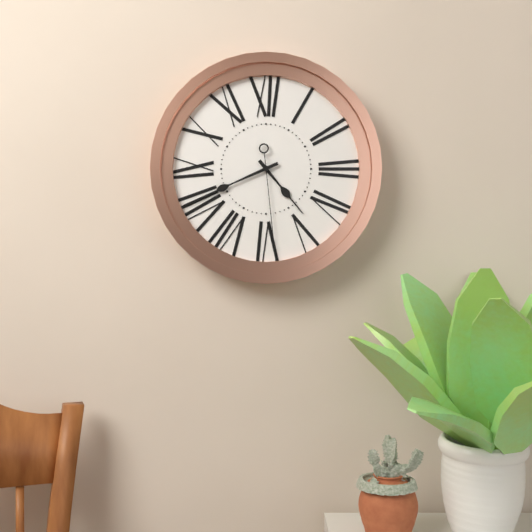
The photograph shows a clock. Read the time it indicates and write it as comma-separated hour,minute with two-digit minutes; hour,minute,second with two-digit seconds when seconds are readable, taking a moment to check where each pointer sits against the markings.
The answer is 4,41,29
